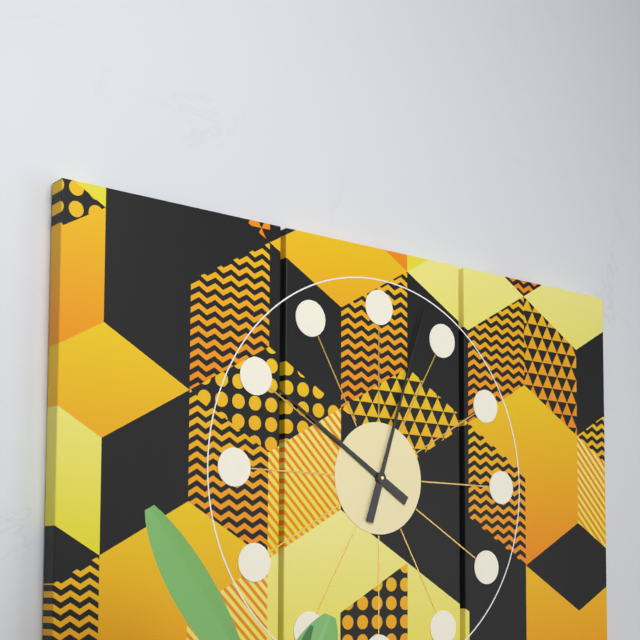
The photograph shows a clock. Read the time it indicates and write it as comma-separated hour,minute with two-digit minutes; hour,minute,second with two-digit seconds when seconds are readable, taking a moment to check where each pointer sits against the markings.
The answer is 10,03
